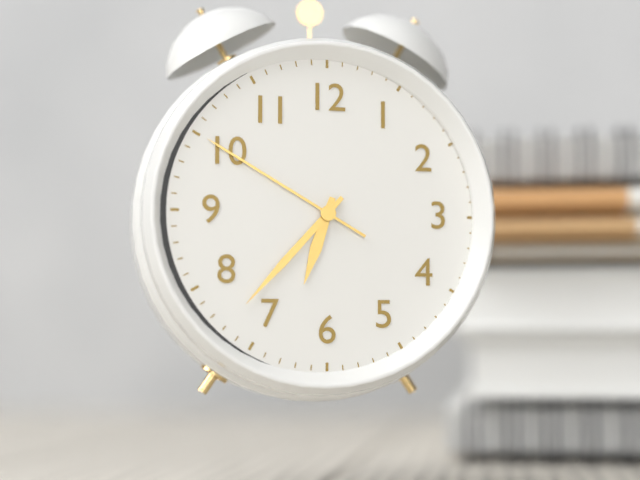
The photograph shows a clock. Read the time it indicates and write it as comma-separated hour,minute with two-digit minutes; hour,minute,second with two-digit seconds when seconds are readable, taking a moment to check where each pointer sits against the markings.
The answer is 6,37,50
